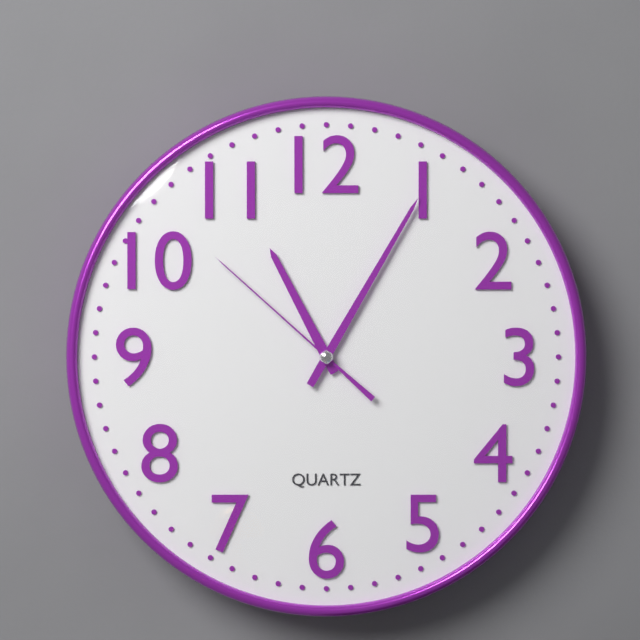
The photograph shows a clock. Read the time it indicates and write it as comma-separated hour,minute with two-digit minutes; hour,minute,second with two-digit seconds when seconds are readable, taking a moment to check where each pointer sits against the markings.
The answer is 11,05,52
